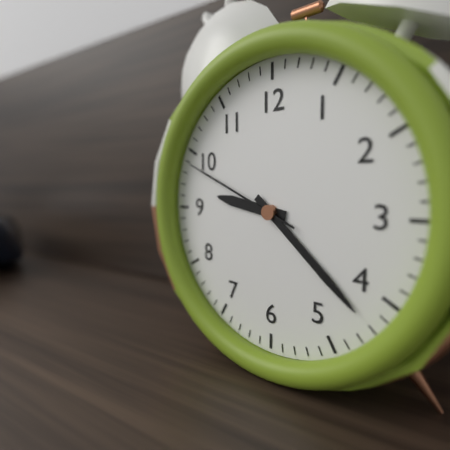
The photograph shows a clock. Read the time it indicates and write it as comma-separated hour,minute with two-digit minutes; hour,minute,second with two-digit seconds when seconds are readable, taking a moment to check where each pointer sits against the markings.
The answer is 9,22,49
